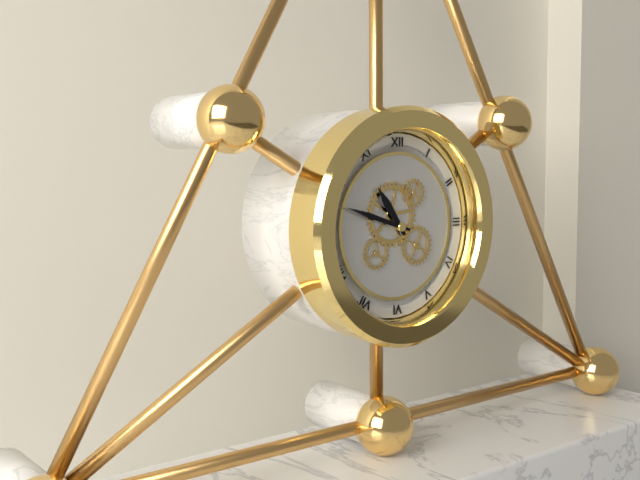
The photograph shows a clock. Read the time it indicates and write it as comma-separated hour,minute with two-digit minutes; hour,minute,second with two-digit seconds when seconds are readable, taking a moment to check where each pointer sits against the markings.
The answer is 10,48
